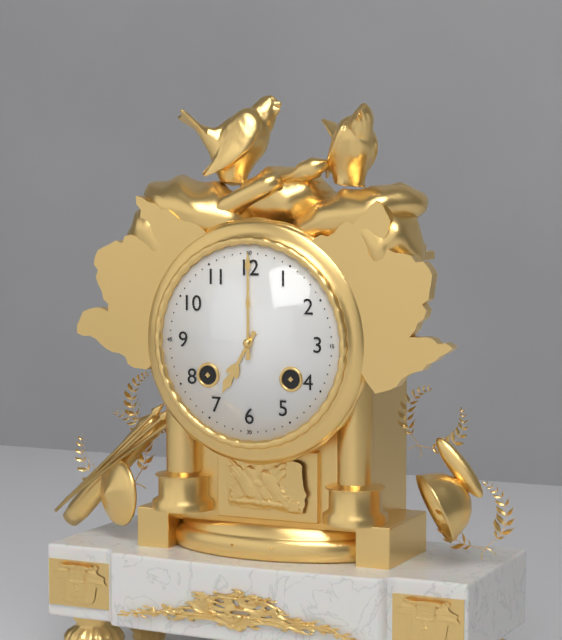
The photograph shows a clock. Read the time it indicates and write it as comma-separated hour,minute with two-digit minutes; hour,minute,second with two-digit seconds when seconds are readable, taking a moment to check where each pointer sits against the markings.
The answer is 7,00
